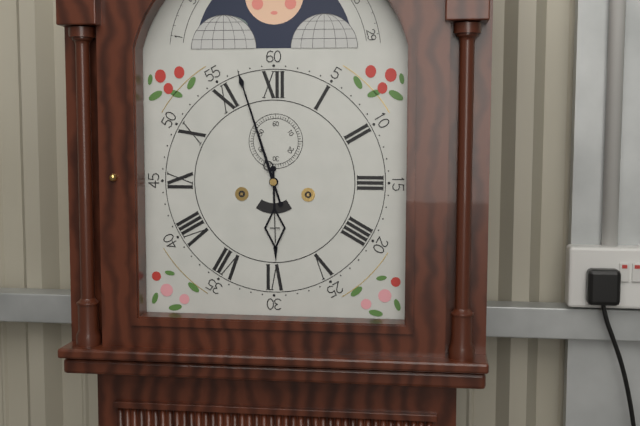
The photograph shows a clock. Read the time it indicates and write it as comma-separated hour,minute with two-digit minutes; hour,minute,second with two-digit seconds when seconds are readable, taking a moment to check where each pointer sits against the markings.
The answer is 5,57
